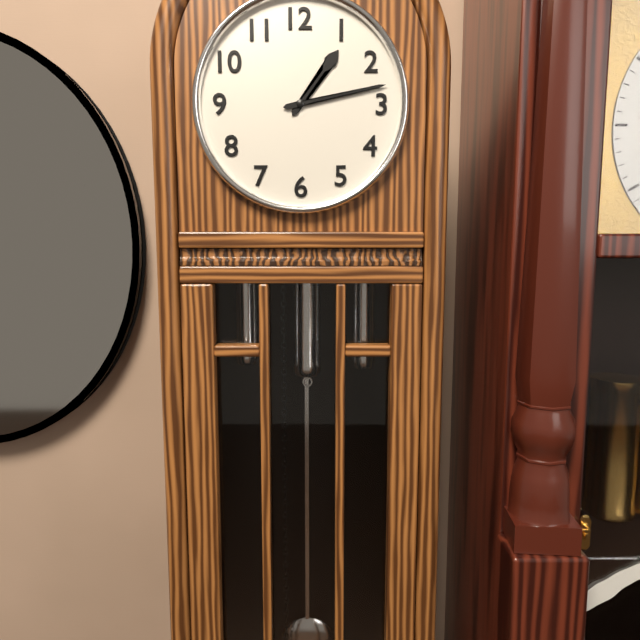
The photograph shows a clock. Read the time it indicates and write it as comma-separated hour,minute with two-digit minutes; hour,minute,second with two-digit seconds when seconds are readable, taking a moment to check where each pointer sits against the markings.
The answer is 1,13
